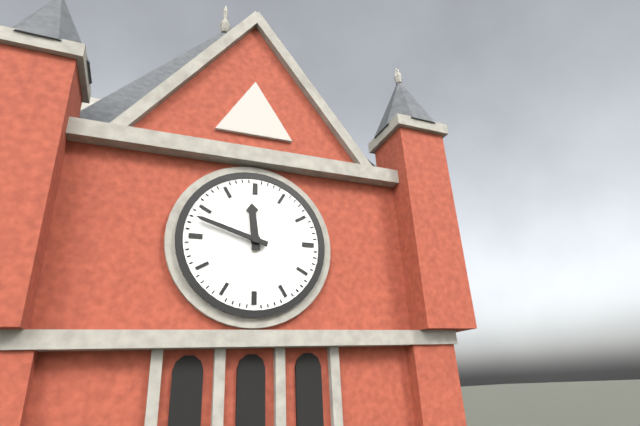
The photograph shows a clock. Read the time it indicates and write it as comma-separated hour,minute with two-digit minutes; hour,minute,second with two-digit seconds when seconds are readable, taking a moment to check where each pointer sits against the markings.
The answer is 11,48
